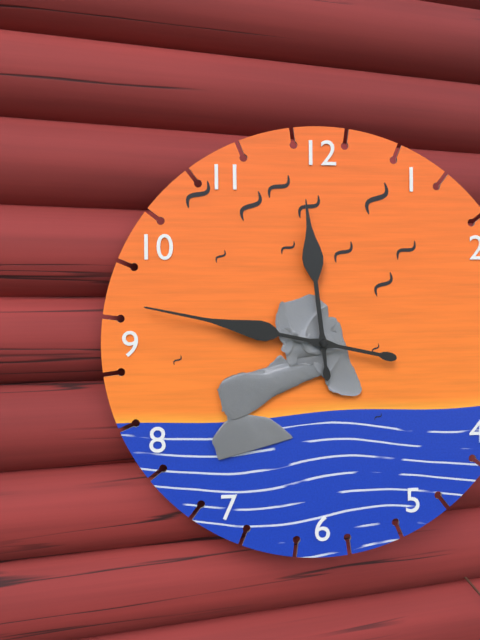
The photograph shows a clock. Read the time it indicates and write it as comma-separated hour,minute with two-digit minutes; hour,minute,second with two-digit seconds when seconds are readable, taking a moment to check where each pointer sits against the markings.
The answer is 11,47
